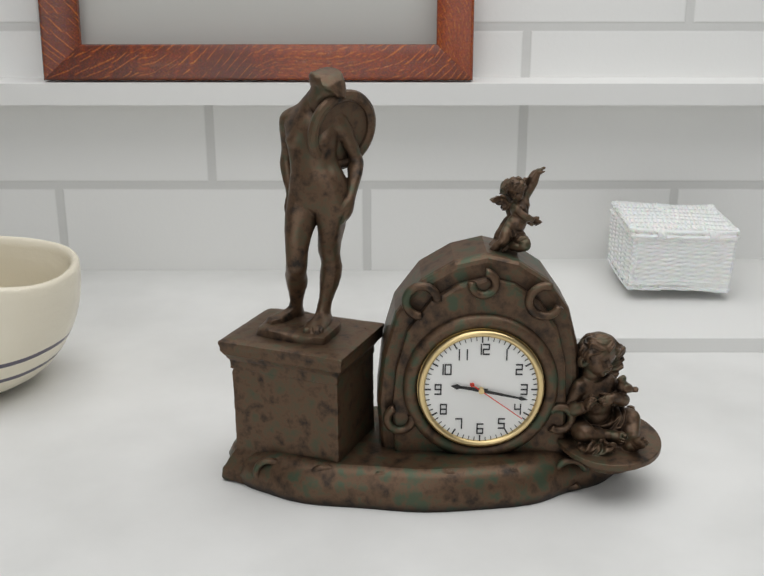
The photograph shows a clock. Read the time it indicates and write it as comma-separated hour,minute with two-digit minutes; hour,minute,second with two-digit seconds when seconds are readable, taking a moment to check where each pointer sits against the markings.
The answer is 9,17,21
